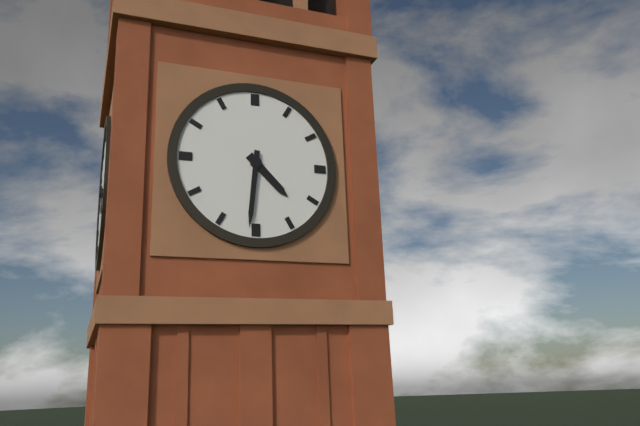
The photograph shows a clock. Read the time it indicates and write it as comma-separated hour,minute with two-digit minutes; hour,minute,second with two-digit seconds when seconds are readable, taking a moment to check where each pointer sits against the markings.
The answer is 4,31
